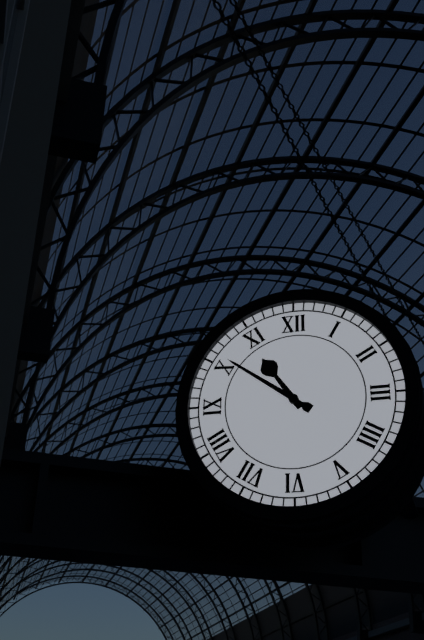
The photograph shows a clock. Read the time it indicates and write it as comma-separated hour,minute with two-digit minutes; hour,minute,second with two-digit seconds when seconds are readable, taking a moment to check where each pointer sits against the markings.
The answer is 10,51
